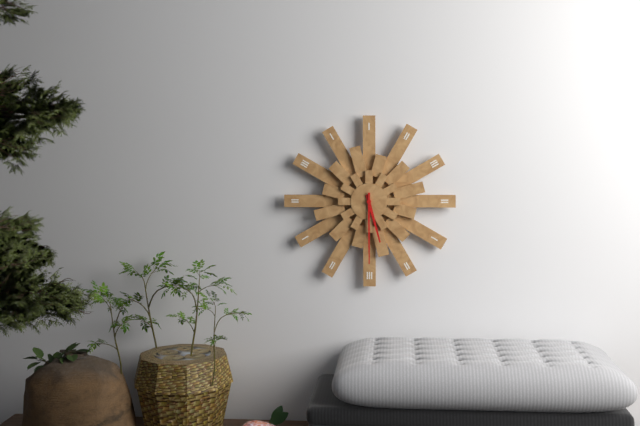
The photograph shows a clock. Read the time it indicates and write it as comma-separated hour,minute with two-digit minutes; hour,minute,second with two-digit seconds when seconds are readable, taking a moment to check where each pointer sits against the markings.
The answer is 5,30
